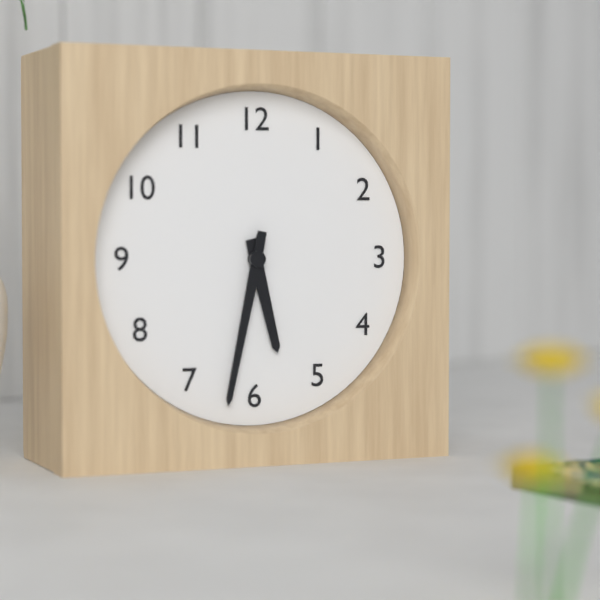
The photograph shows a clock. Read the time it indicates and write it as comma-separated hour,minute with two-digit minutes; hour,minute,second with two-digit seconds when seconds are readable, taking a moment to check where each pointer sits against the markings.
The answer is 5,32
